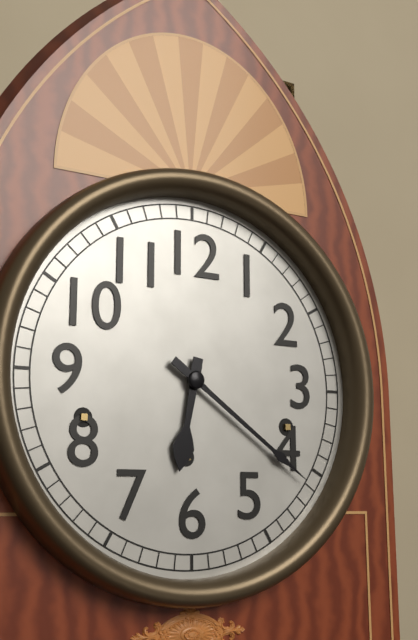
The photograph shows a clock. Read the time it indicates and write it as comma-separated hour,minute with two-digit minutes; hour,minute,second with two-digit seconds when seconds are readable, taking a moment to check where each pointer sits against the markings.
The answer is 6,21
